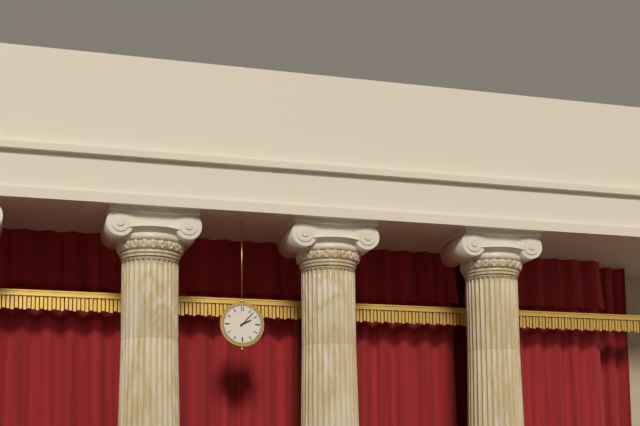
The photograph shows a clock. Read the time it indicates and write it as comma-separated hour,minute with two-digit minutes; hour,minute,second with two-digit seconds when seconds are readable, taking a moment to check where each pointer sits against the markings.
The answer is 2,07
